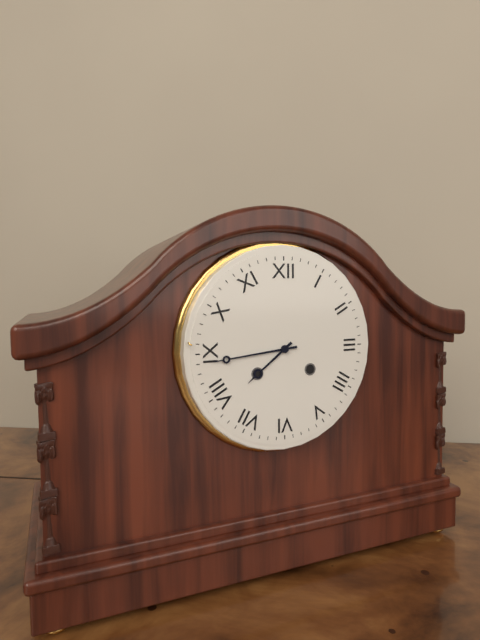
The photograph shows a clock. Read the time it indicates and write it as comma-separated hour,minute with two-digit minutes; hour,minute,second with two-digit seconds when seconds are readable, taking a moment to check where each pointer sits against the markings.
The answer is 7,44
